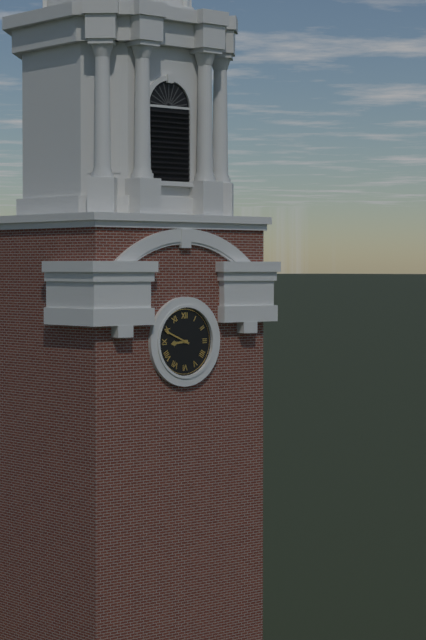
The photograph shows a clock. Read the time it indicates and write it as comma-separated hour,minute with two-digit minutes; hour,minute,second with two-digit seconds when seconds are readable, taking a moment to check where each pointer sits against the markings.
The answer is 8,49
